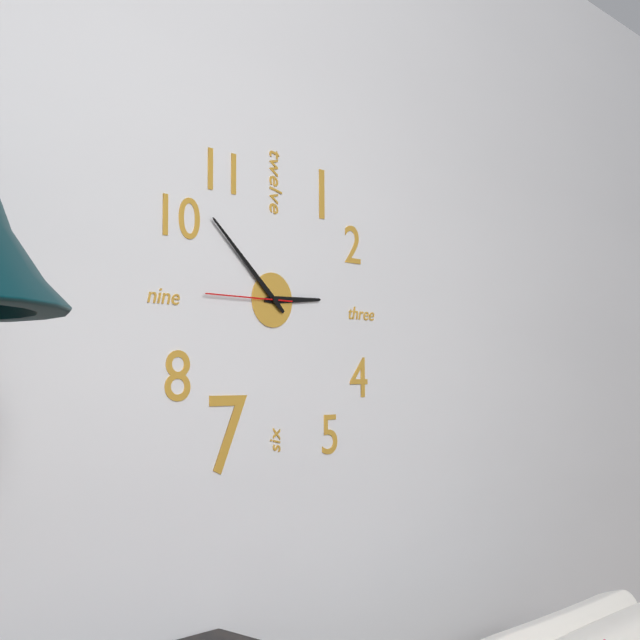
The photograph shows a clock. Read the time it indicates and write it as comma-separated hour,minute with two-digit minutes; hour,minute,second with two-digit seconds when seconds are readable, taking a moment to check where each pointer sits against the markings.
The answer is 2,52,45
